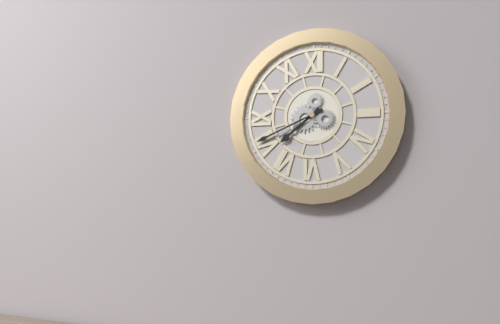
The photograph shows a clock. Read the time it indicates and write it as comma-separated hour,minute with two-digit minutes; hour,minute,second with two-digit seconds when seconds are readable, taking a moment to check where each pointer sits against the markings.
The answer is 7,41
